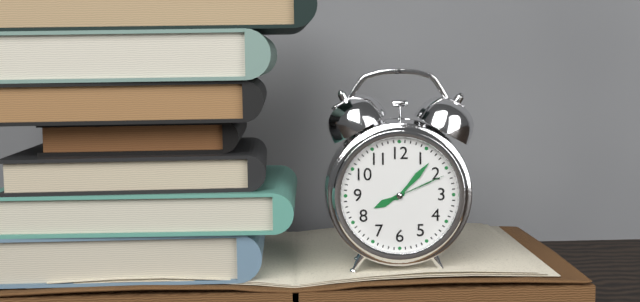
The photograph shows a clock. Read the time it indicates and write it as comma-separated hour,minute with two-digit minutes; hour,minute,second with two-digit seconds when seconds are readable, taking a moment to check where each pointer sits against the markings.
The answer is 8,07,11
